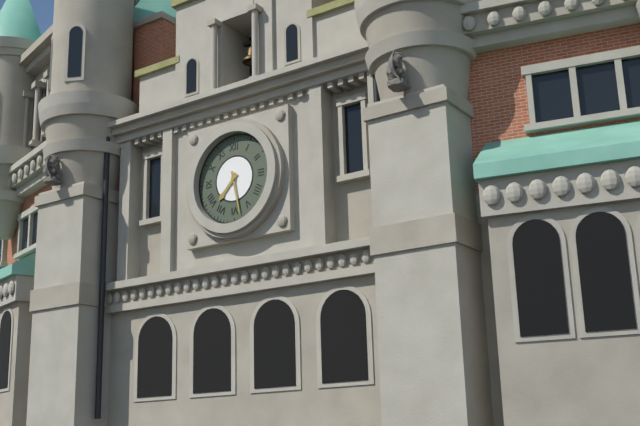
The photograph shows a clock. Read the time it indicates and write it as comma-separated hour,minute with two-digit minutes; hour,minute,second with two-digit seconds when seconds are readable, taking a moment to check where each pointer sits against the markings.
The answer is 7,28
